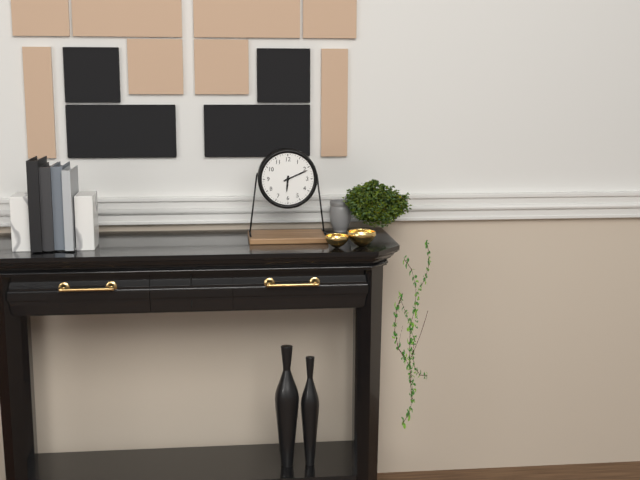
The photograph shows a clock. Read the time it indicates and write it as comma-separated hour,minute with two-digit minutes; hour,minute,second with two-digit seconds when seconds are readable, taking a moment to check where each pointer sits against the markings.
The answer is 6,11
